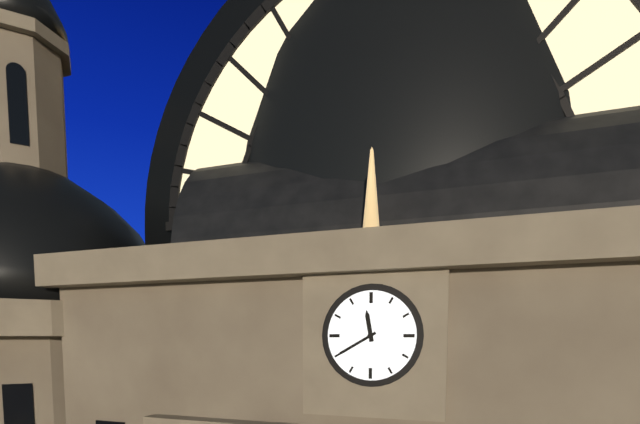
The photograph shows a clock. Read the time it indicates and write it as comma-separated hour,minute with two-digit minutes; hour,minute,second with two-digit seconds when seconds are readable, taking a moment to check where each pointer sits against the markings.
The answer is 11,40
